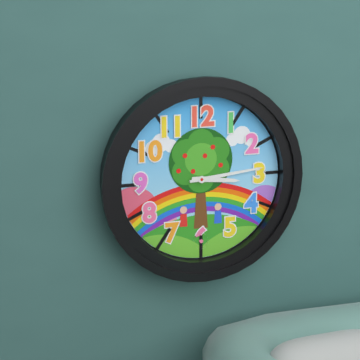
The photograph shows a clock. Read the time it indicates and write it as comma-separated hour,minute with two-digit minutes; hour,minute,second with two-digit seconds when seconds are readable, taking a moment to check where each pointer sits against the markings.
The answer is 3,14
